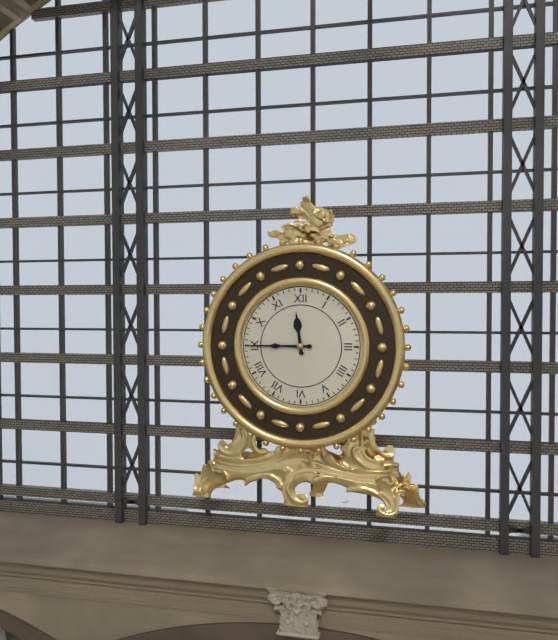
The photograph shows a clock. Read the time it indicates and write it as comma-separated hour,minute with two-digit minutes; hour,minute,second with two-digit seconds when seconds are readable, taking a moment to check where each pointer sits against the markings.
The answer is 11,45
